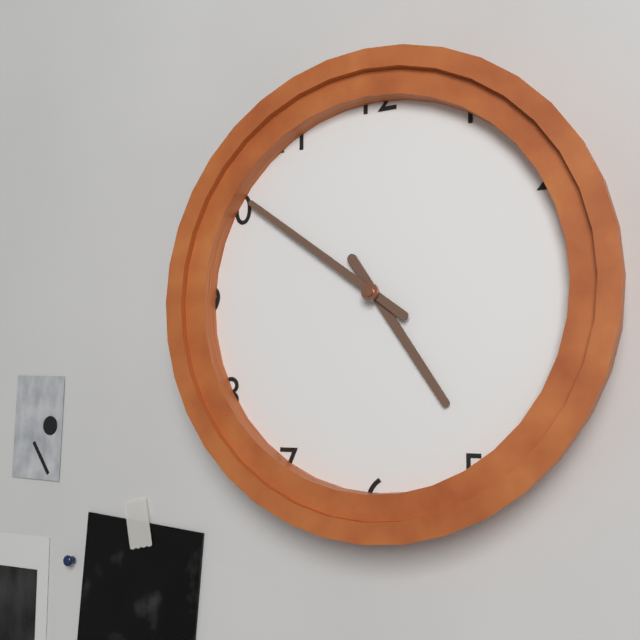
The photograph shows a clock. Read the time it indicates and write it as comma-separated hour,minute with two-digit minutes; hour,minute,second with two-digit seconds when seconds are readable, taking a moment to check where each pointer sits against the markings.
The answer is 4,51
